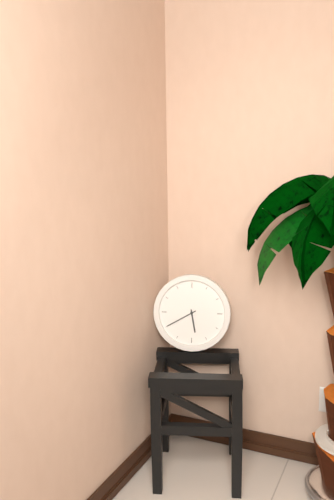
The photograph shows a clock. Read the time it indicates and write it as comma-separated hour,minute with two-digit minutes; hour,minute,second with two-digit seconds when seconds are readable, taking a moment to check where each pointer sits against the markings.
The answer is 5,40
